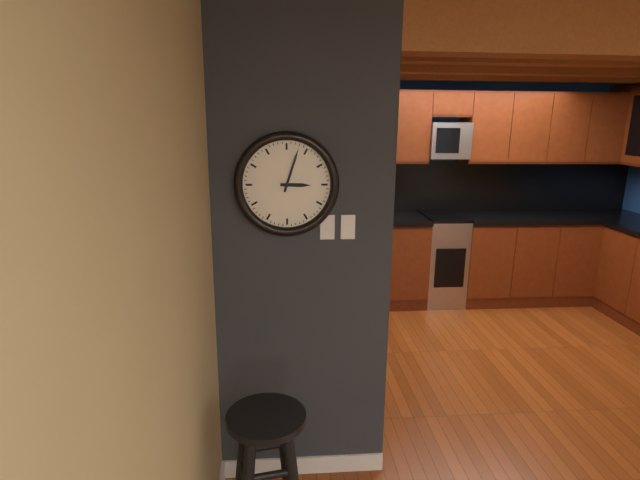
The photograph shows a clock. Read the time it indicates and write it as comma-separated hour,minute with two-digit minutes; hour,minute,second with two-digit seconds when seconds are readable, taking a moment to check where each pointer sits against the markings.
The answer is 3,03
